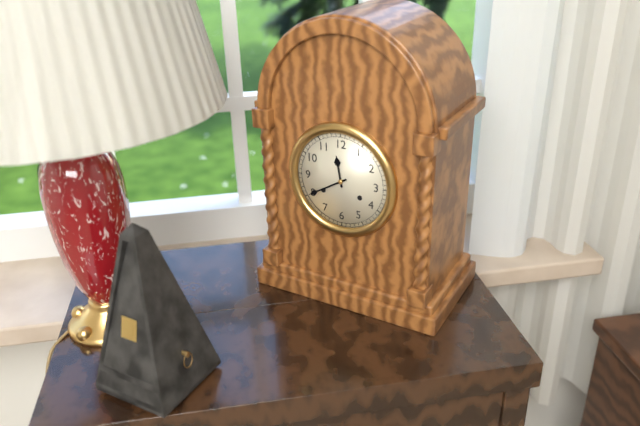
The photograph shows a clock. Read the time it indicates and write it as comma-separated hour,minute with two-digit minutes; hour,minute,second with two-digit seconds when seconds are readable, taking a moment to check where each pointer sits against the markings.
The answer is 11,40
